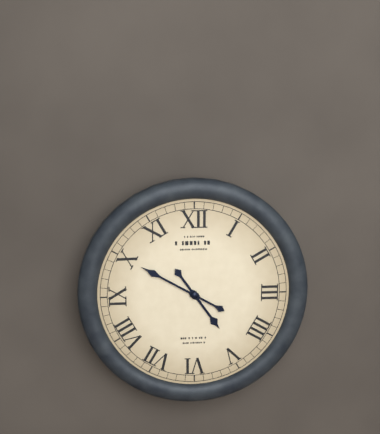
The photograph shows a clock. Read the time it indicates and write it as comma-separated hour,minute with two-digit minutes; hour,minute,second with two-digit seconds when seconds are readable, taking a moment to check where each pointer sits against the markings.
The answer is 4,50
